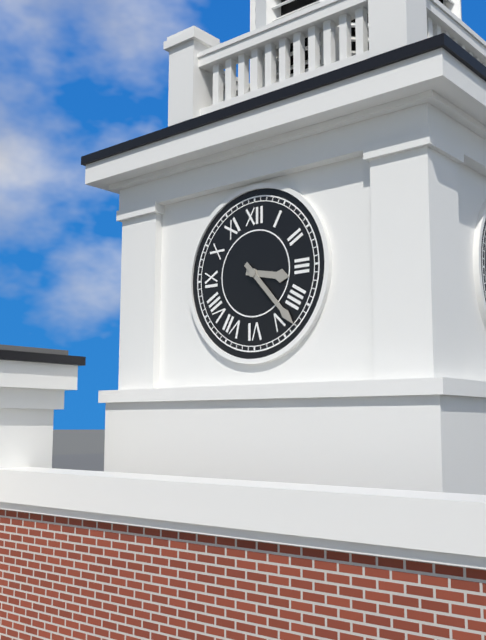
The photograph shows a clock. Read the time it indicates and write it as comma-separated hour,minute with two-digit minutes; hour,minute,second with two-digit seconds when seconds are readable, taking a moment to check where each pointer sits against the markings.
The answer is 3,23
